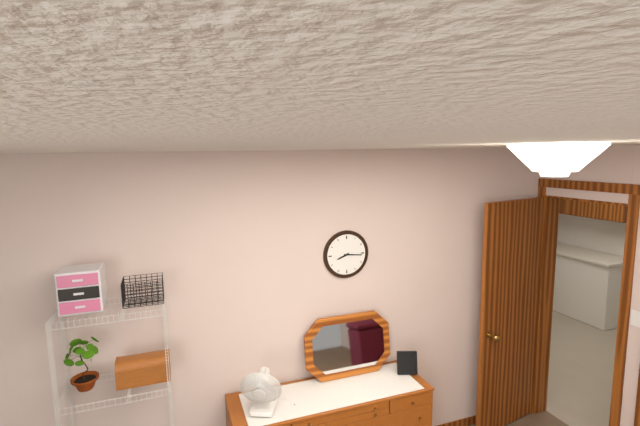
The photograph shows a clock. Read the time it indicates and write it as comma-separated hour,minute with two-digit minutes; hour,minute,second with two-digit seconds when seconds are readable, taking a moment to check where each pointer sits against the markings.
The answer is 8,16
